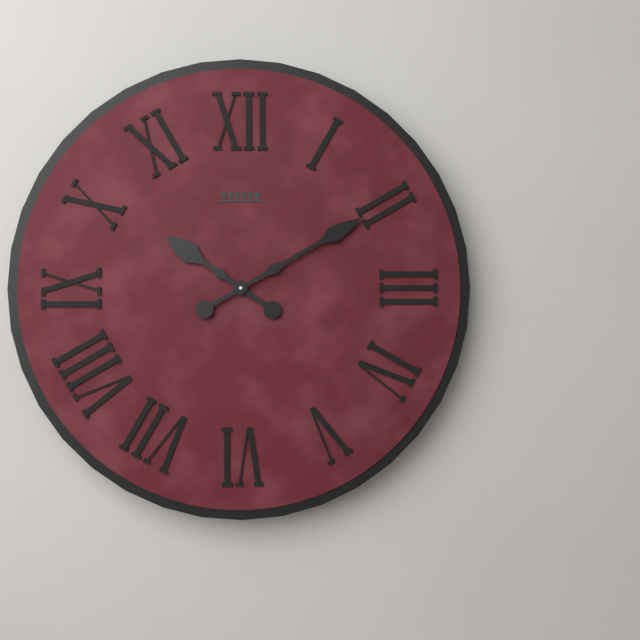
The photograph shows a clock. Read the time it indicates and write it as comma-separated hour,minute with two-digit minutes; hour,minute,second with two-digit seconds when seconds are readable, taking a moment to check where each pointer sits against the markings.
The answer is 10,10
